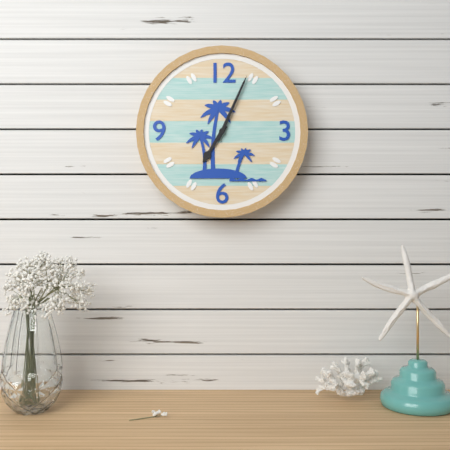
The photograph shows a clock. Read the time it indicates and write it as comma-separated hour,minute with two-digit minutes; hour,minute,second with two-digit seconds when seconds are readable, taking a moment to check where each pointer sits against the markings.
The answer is 7,04
